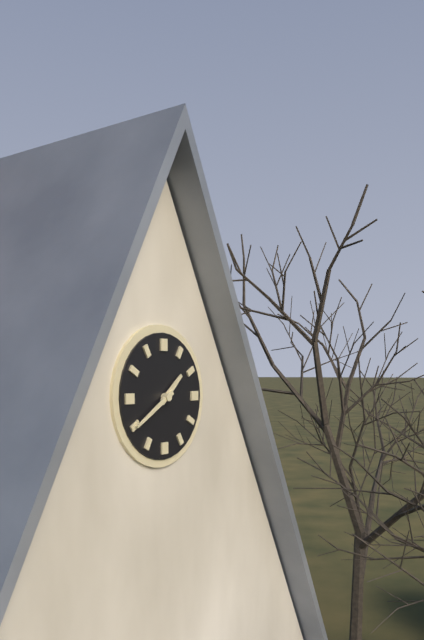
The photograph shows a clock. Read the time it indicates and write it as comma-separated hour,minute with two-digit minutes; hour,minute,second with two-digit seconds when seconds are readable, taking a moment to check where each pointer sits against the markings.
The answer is 1,40
